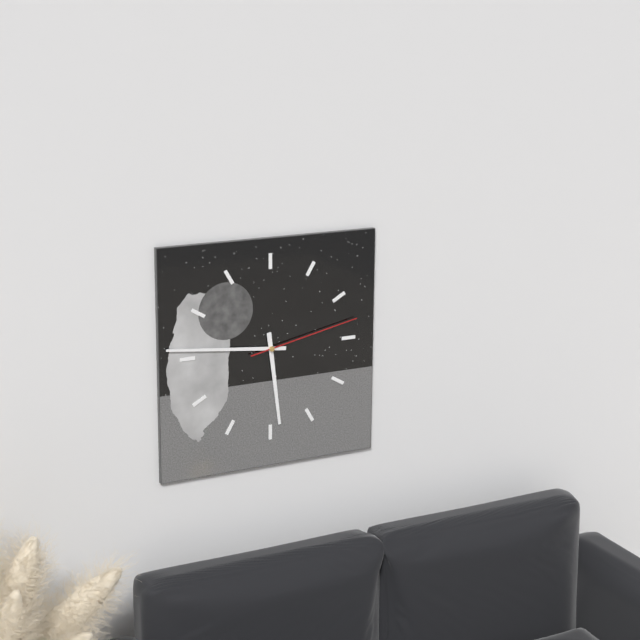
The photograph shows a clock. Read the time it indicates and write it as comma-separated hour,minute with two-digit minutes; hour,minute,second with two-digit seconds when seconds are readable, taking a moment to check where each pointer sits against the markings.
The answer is 5,46,13
